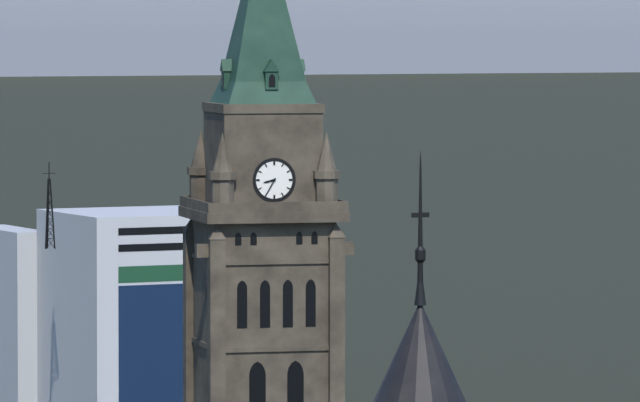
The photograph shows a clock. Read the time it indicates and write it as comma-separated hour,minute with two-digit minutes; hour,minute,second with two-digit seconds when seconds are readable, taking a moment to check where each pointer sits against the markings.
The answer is 8,35
